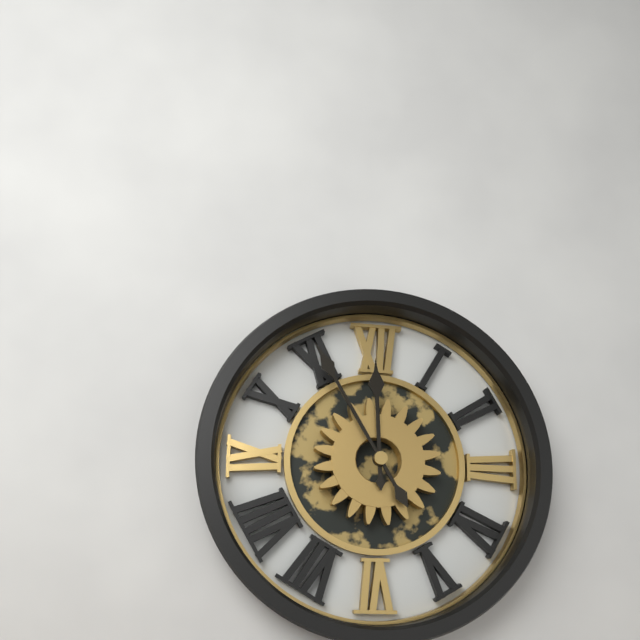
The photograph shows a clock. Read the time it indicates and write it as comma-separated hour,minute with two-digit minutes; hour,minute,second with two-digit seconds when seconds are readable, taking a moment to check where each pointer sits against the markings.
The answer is 11,55
